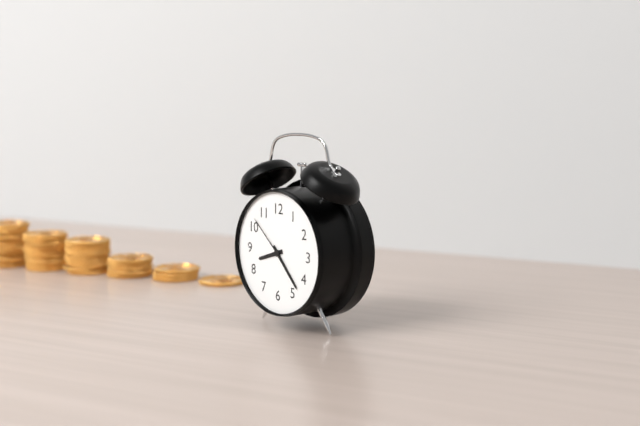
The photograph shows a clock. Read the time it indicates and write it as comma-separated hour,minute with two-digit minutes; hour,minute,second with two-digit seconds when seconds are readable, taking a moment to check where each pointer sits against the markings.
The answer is 8,23,52
